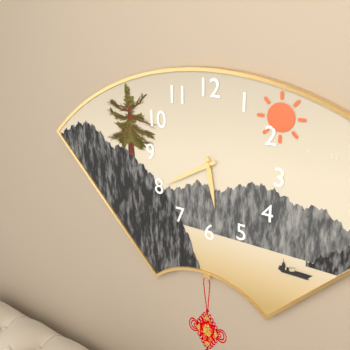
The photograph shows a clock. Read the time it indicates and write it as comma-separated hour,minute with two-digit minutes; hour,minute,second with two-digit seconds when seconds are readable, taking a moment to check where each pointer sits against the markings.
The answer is 5,40
